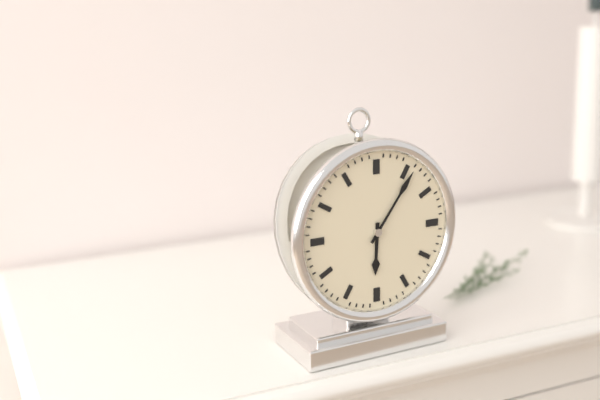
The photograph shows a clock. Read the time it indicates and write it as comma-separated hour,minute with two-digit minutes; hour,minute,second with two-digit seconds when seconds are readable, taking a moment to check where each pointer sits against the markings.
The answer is 6,06
